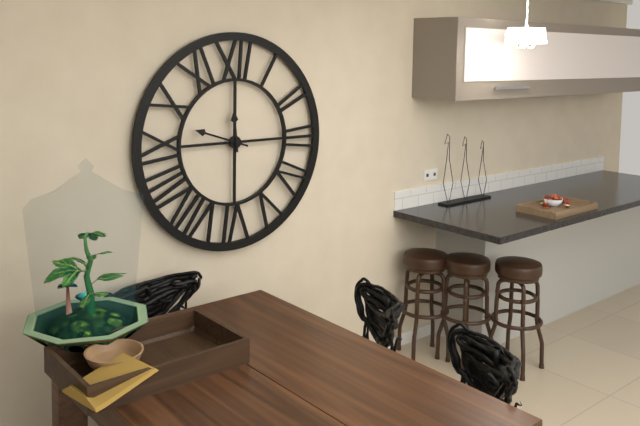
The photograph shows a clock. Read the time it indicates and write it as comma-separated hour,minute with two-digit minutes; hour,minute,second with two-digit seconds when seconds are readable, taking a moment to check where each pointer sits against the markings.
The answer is 11,48
